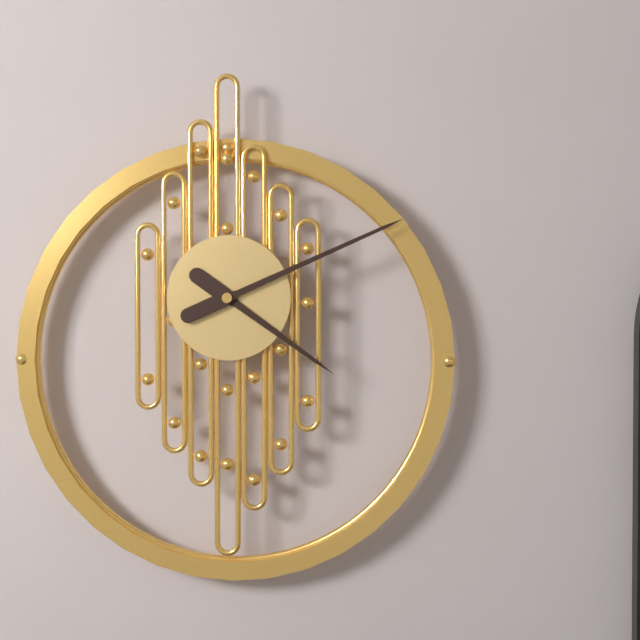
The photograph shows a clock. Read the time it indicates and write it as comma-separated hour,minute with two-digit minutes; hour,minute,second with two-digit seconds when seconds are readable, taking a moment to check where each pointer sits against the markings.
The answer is 4,11
